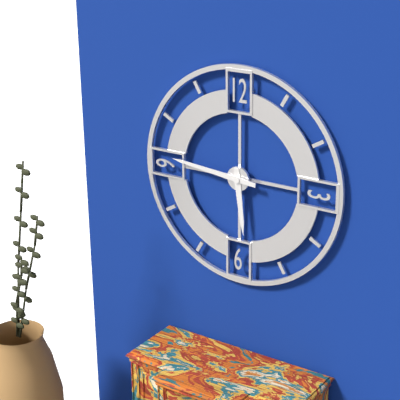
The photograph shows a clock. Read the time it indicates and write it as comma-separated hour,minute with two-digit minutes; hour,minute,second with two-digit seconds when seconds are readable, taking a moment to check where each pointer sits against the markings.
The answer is 5,46
